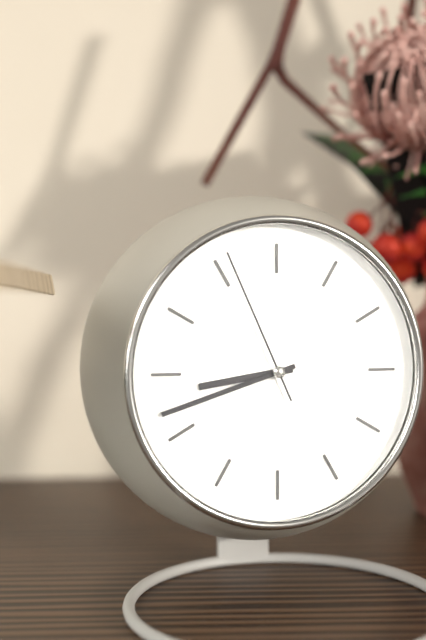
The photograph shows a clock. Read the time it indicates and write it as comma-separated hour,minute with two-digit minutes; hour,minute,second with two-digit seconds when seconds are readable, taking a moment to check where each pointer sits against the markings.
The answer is 8,42,56
